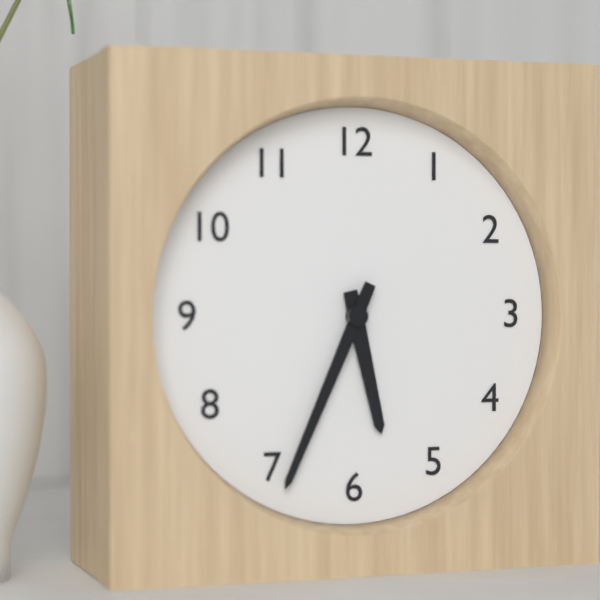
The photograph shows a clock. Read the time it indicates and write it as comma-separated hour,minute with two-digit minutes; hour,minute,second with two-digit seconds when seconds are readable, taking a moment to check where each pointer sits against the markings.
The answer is 5,34
